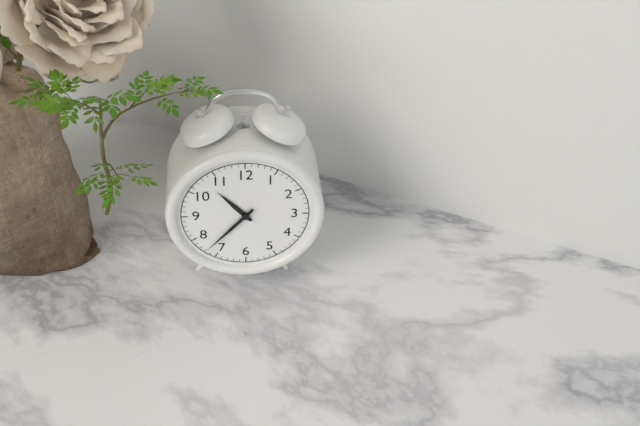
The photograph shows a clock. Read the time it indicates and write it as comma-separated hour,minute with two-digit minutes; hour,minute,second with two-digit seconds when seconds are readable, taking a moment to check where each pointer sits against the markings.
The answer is 10,37
